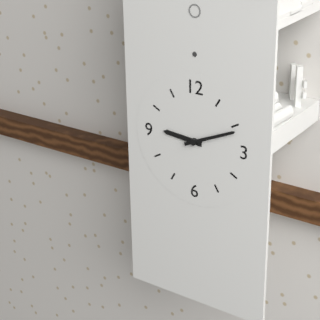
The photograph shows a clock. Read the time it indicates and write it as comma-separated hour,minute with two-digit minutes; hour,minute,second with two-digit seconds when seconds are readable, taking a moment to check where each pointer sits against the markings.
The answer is 9,11
